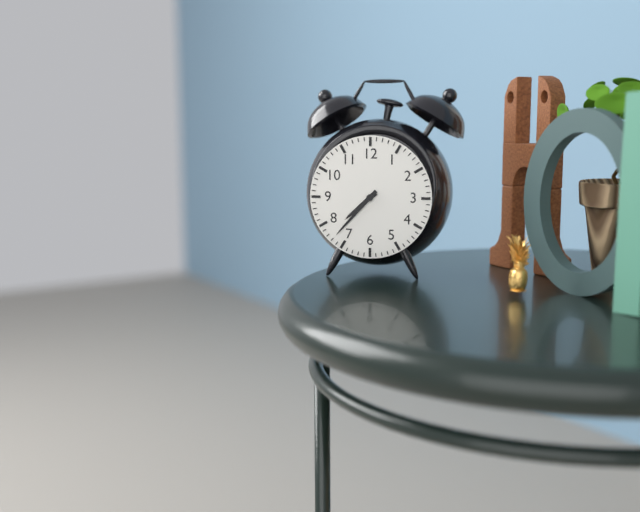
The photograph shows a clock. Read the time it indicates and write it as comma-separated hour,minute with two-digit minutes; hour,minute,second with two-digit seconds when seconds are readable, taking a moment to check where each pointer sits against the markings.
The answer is 7,37
